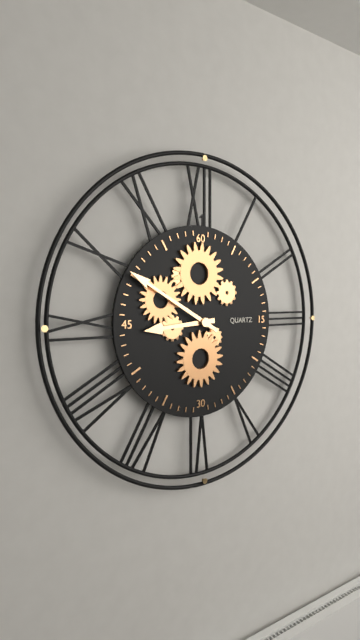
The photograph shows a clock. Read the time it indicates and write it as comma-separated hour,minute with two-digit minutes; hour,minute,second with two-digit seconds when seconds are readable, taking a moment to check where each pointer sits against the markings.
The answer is 8,50
